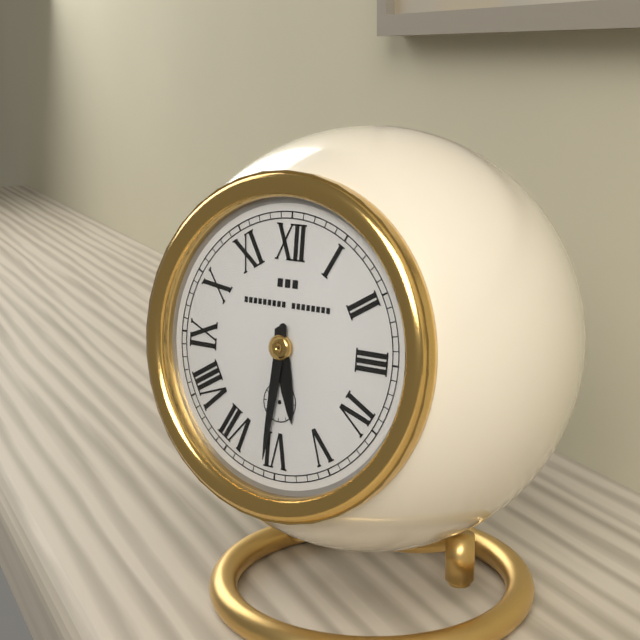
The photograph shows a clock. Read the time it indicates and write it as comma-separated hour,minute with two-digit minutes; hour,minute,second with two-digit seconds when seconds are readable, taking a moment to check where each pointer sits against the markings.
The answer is 5,31
